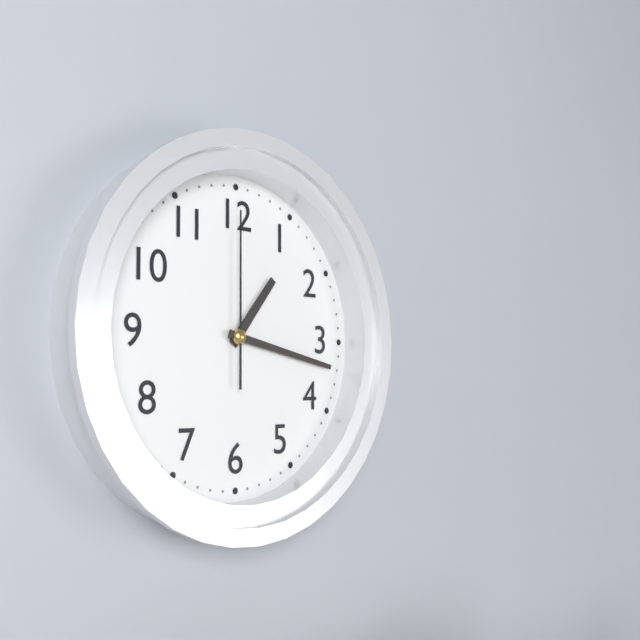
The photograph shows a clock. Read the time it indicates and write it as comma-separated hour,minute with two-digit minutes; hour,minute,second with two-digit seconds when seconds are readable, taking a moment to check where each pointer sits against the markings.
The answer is 1,17,00
